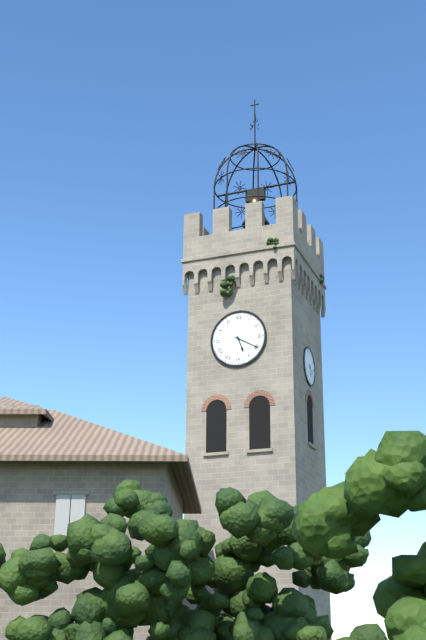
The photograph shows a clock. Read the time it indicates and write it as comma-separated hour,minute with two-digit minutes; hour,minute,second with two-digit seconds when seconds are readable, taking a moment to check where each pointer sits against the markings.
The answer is 5,20
